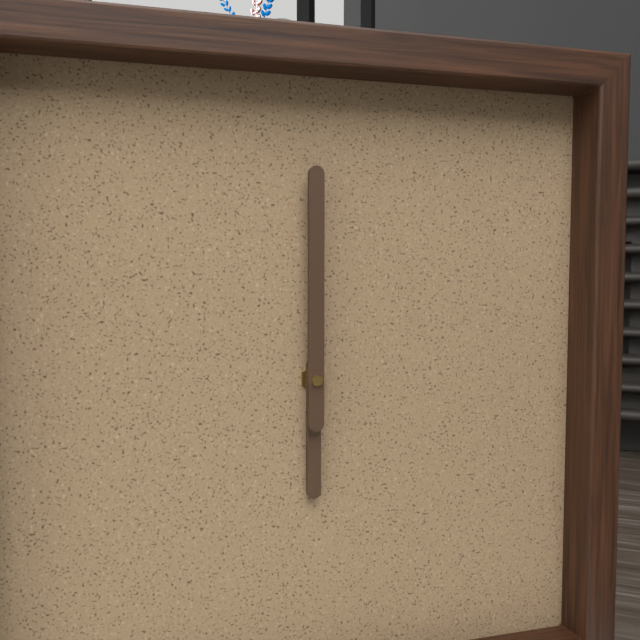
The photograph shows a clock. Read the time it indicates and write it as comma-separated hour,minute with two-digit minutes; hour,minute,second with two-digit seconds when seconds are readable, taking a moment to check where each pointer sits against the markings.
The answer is 6,00
